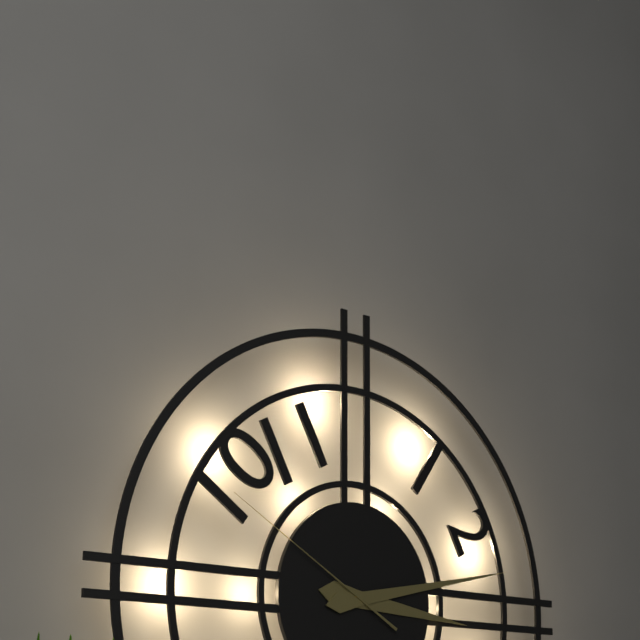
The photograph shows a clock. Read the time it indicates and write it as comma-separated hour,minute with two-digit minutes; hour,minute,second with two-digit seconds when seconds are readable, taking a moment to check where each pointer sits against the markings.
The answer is 3,13,50
